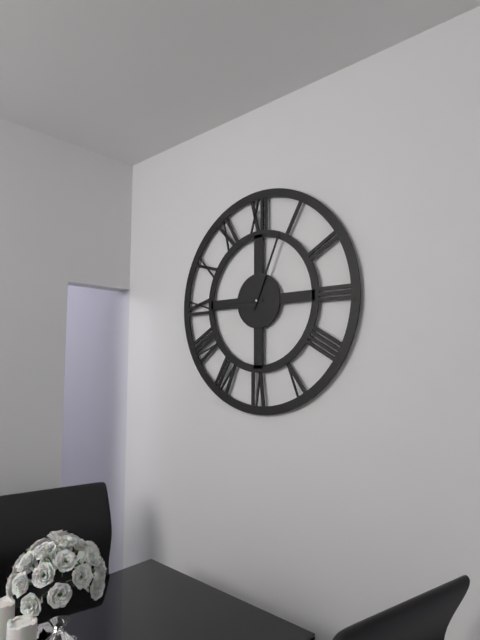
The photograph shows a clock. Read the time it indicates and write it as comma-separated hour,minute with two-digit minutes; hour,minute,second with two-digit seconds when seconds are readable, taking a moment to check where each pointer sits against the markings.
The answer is 9,04
